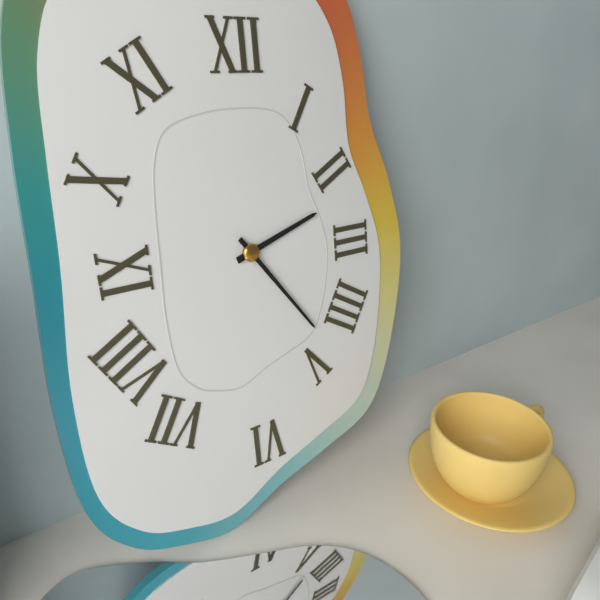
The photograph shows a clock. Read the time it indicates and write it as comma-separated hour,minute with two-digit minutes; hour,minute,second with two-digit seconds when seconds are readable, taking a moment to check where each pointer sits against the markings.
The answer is 2,24
